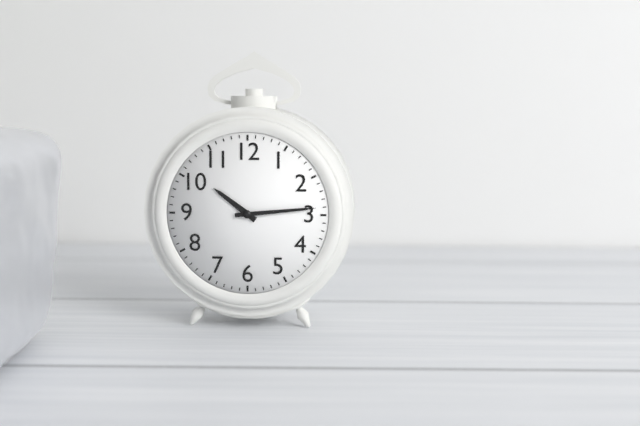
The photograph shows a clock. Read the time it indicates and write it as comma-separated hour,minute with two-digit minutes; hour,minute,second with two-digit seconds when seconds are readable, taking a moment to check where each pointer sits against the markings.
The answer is 10,14
